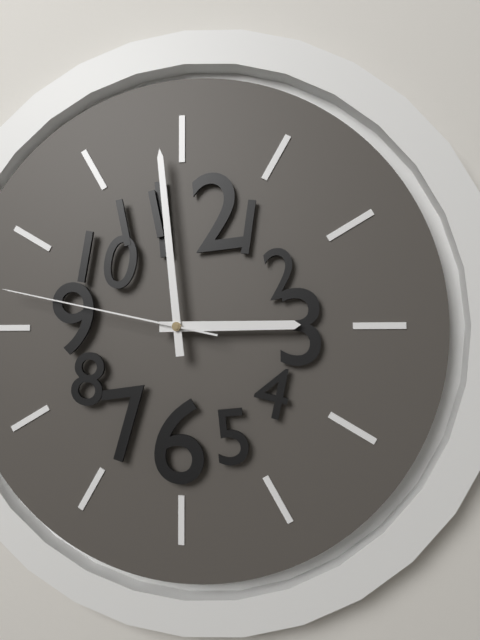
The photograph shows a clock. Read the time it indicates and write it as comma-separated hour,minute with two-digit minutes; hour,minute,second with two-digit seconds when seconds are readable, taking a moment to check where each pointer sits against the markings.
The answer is 2,59,47
